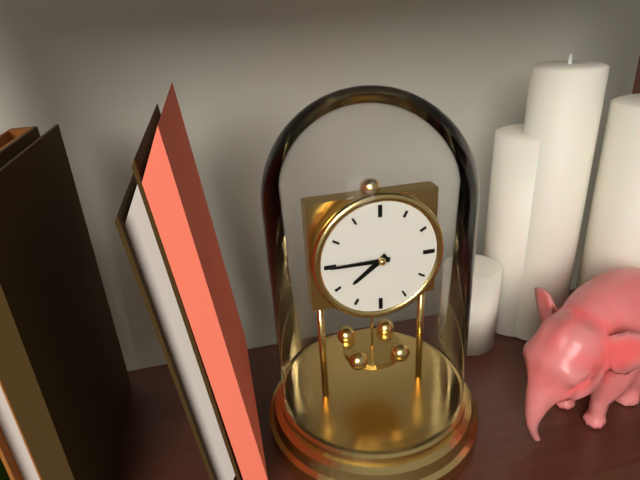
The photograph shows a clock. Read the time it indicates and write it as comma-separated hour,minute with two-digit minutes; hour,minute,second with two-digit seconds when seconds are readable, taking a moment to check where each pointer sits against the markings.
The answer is 7,45
